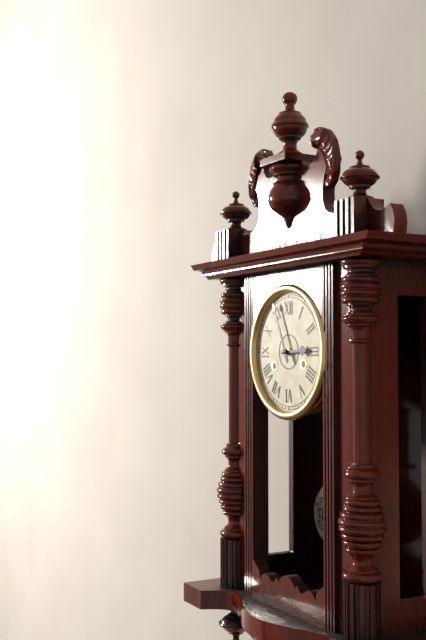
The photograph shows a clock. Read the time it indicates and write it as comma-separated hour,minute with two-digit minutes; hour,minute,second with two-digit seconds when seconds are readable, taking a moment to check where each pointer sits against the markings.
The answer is 2,56
